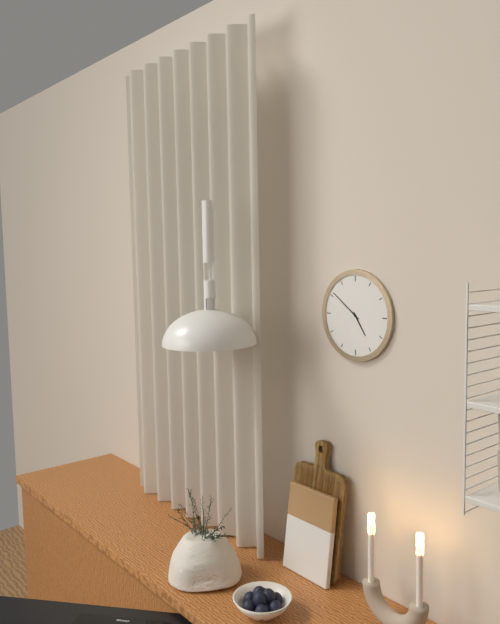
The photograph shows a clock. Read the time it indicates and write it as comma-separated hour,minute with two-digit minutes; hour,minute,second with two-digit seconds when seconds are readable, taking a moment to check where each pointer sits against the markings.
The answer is 4,51
